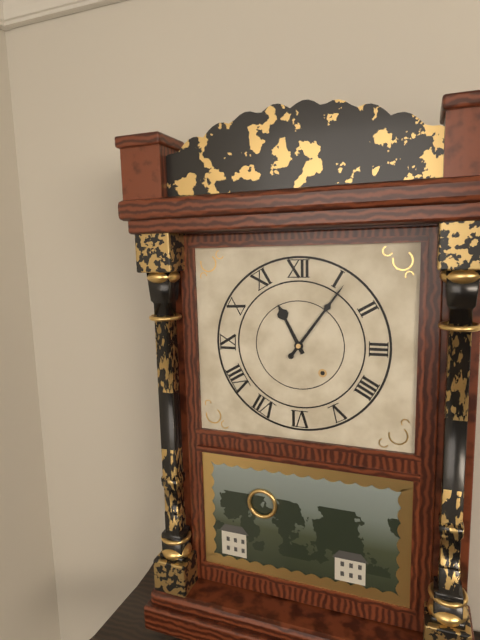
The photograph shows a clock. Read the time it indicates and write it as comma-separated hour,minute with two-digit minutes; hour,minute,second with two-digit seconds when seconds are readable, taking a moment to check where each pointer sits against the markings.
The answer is 11,06
